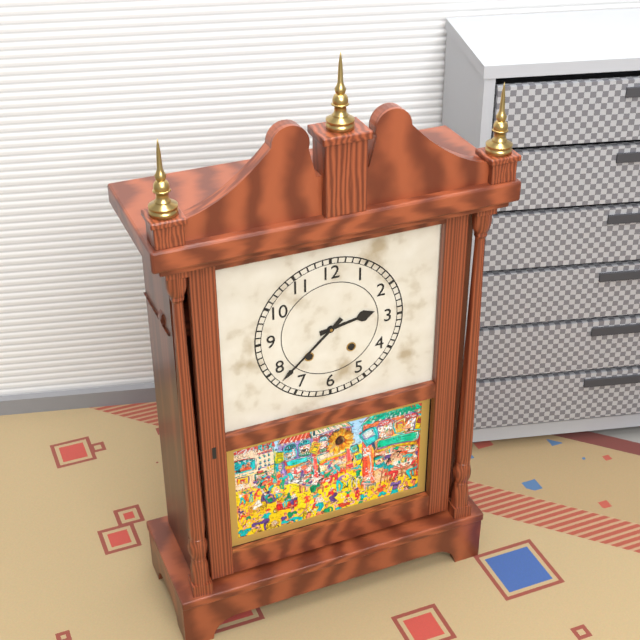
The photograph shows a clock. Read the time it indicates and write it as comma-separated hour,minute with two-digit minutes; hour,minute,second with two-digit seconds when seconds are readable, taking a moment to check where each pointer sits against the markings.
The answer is 2,38
